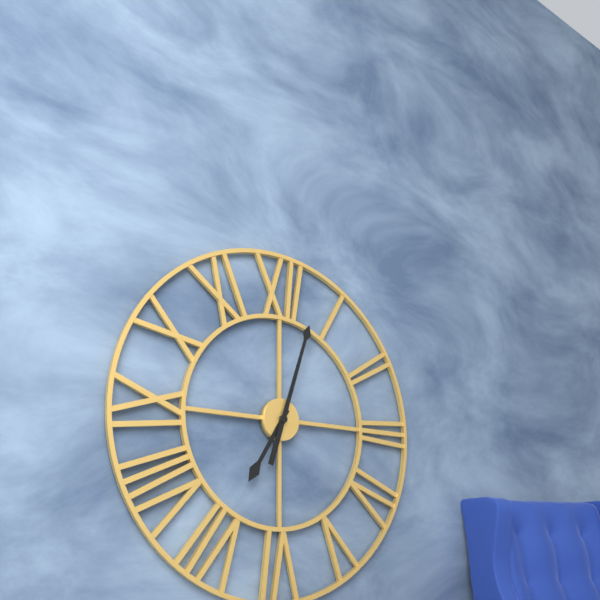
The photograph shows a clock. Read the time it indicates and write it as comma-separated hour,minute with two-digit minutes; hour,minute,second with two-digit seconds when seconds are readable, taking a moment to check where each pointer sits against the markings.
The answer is 7,03
